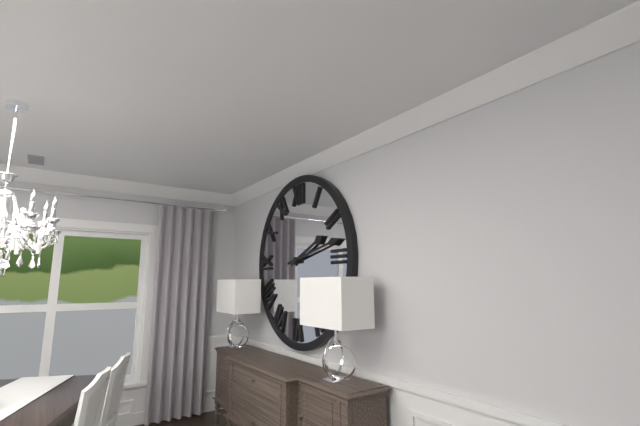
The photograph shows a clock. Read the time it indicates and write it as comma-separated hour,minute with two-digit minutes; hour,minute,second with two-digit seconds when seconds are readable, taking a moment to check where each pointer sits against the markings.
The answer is 2,13
